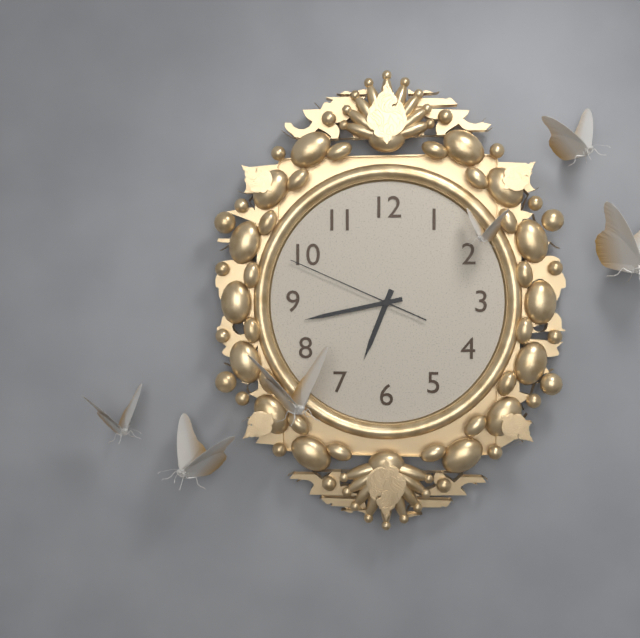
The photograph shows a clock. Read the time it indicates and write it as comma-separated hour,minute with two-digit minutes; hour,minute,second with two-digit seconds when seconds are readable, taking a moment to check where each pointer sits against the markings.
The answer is 6,43,49
